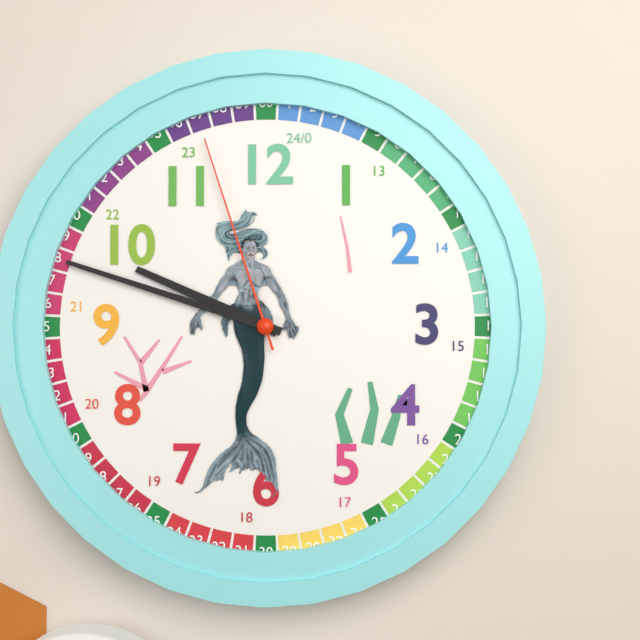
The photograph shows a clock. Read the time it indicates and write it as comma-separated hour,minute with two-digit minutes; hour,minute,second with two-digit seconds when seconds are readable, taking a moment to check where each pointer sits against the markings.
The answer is 9,48,57
